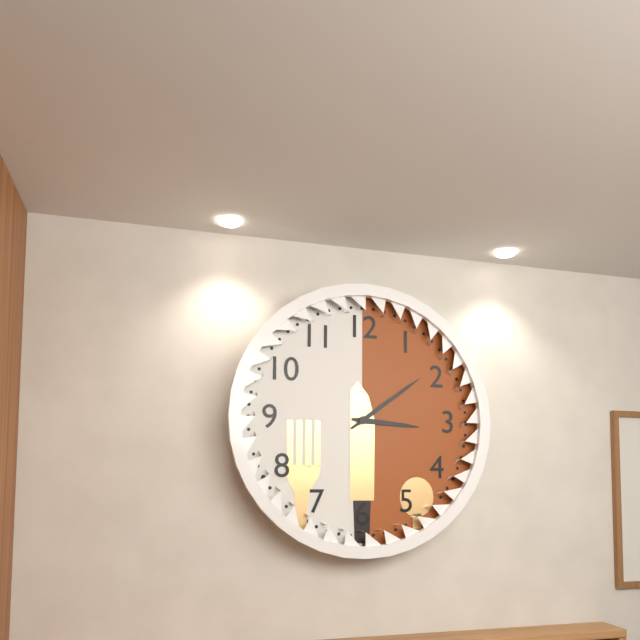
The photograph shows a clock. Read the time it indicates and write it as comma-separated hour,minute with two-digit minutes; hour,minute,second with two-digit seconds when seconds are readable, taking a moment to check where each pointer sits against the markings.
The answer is 3,09
